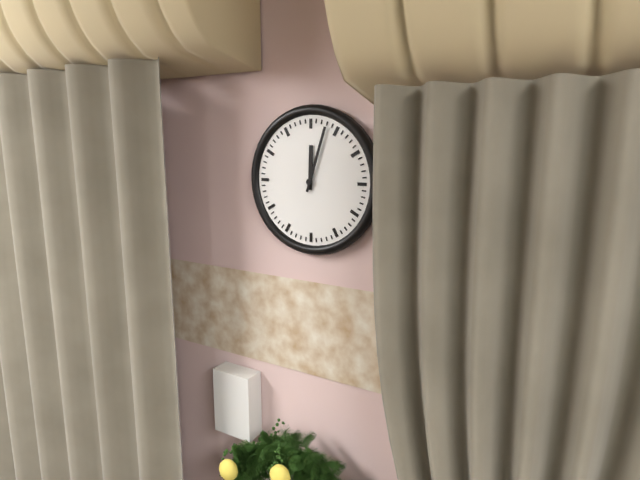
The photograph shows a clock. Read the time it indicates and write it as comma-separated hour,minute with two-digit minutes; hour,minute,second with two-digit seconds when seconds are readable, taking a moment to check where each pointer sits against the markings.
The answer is 12,03
